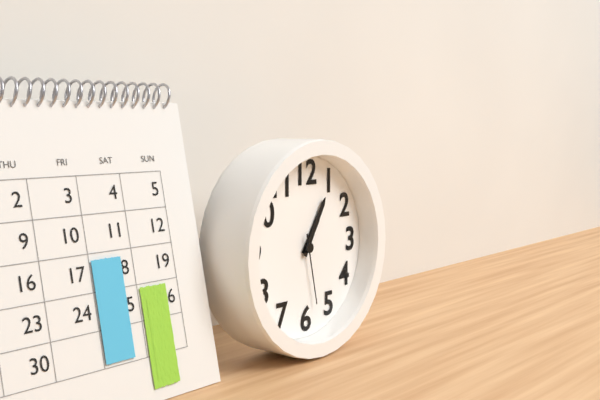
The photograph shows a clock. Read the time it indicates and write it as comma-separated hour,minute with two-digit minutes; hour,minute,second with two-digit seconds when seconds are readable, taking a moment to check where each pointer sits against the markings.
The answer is 1,05,28
